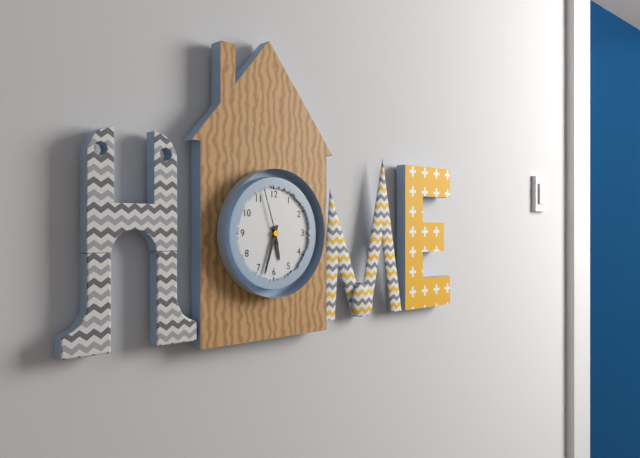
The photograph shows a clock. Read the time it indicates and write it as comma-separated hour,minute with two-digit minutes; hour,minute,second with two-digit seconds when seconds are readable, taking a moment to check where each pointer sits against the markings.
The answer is 5,33,57
